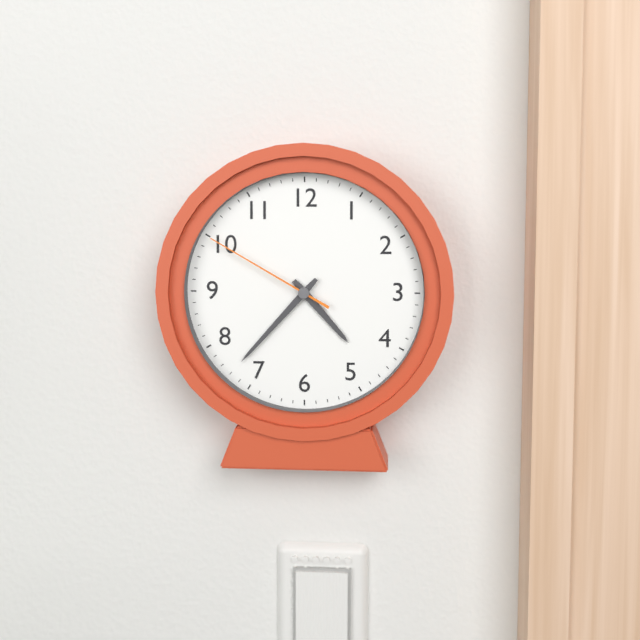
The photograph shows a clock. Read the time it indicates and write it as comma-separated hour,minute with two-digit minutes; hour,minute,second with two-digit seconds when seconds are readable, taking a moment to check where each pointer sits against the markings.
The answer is 4,37,50
